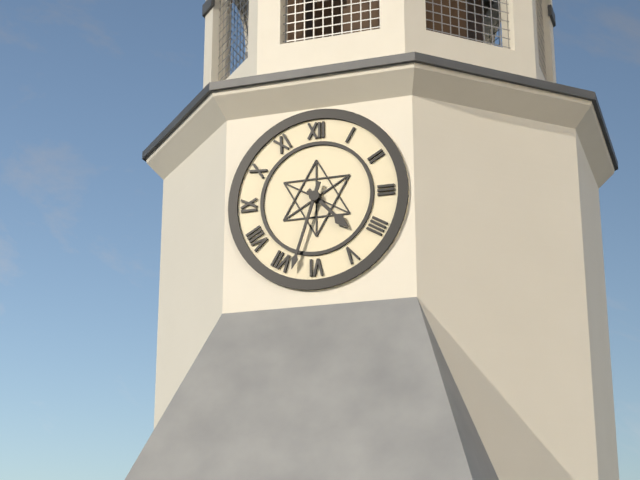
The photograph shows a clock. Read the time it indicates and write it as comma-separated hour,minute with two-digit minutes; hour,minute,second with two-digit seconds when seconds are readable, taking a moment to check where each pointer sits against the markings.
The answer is 4,33
